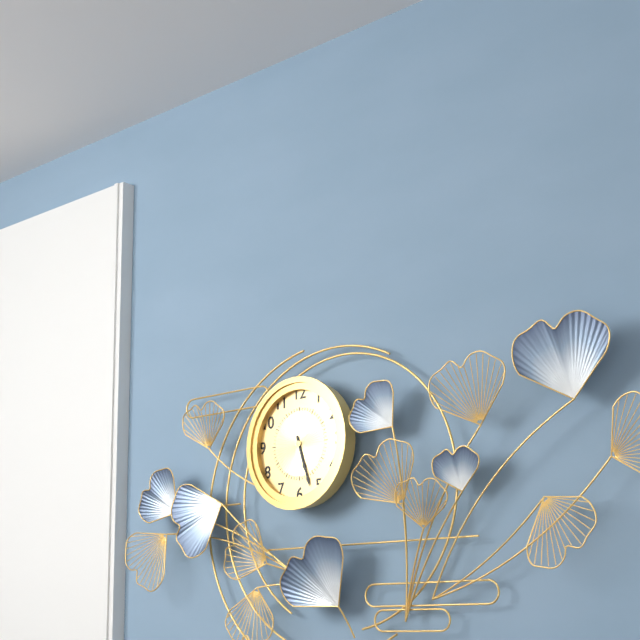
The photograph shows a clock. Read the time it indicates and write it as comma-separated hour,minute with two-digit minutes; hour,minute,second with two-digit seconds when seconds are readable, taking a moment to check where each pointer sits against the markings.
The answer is 5,27
